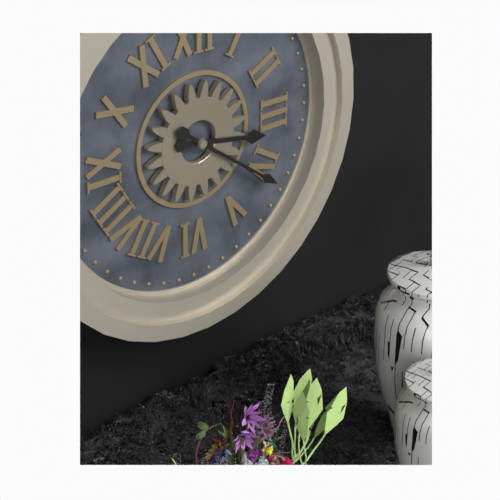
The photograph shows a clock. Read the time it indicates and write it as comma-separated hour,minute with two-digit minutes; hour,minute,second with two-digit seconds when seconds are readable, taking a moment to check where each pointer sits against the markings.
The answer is 3,21
